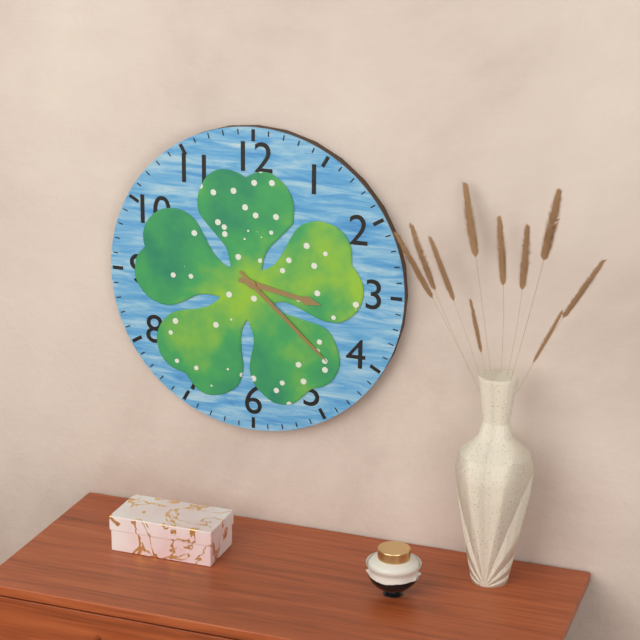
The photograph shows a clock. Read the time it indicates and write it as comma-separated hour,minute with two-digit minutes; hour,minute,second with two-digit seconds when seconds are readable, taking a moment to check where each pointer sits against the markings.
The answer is 3,22
